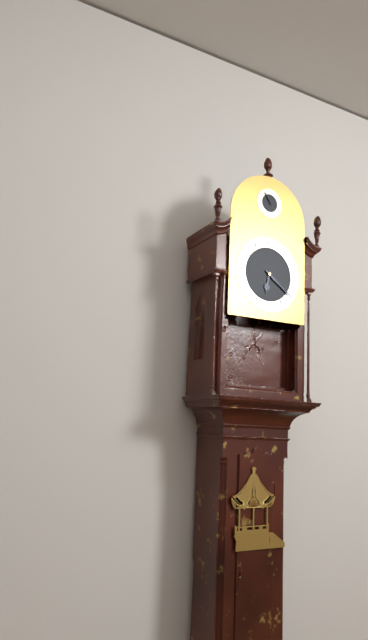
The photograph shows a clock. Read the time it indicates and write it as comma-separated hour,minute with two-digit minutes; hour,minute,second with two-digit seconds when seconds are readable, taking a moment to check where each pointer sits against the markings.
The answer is 6,21
